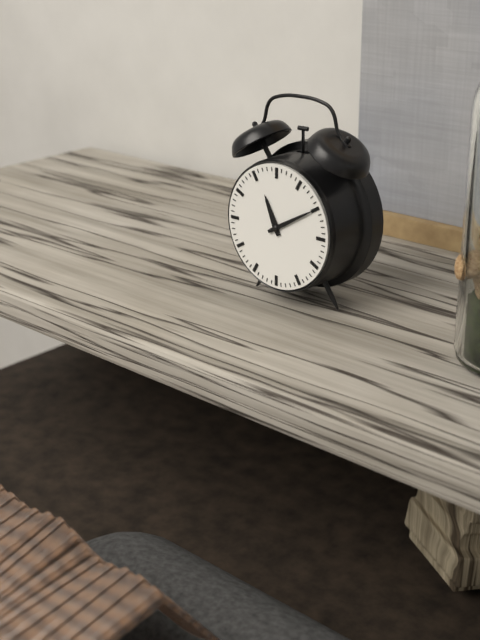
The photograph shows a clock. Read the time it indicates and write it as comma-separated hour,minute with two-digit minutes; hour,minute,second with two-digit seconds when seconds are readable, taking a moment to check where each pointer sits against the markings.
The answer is 11,10
